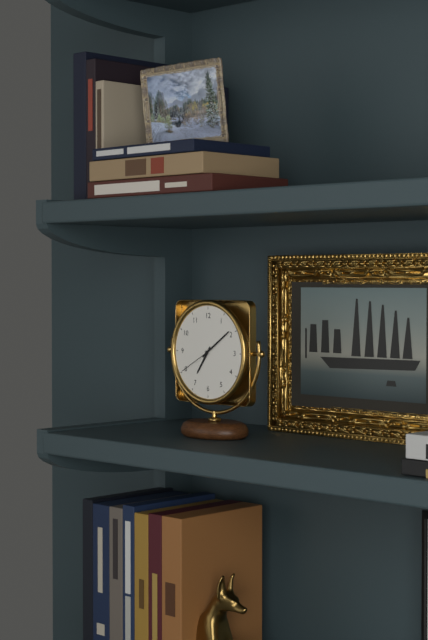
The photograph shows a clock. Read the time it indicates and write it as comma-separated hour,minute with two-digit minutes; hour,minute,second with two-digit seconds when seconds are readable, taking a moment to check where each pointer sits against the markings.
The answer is 7,09
